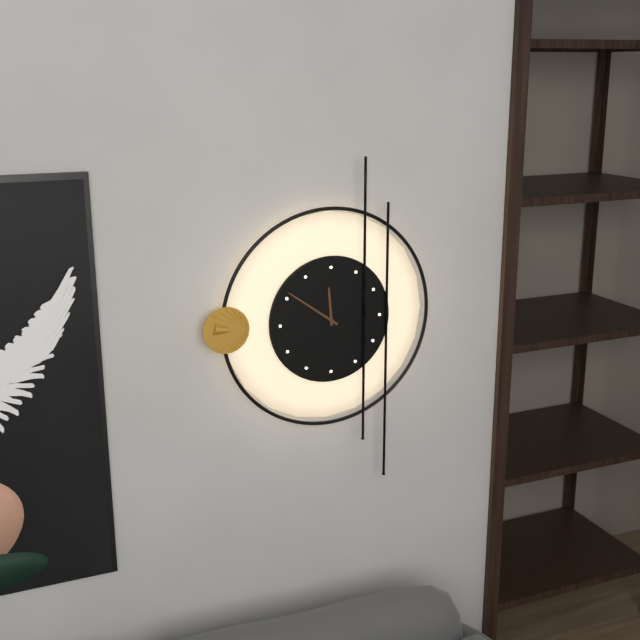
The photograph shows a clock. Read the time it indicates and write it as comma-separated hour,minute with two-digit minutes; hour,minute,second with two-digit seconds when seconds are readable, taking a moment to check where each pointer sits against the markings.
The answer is 11,51
